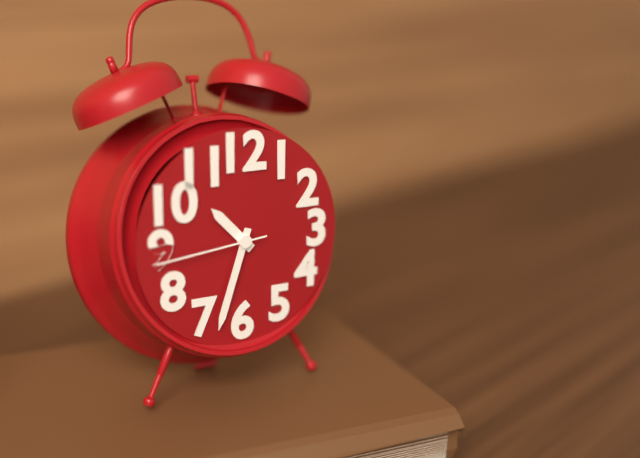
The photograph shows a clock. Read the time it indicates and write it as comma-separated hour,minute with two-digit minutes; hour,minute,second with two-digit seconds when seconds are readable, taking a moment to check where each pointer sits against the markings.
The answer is 10,33,44
